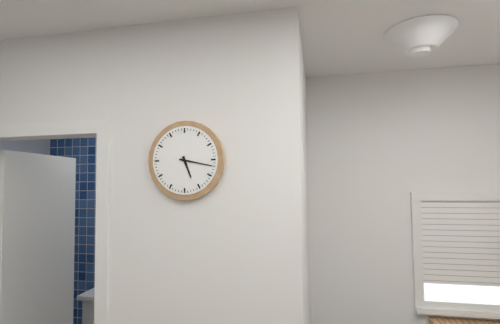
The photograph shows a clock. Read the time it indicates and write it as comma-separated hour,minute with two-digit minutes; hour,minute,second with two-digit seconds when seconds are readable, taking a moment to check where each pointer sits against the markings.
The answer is 5,17
